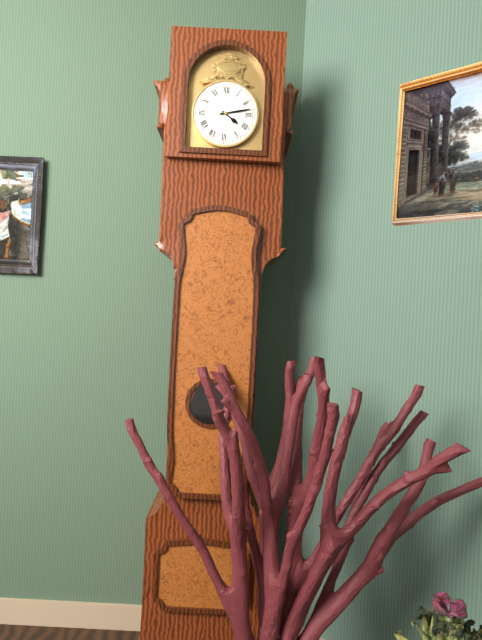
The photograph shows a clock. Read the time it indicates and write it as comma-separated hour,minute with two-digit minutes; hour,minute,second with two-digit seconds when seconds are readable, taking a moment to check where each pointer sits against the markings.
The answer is 4,13
